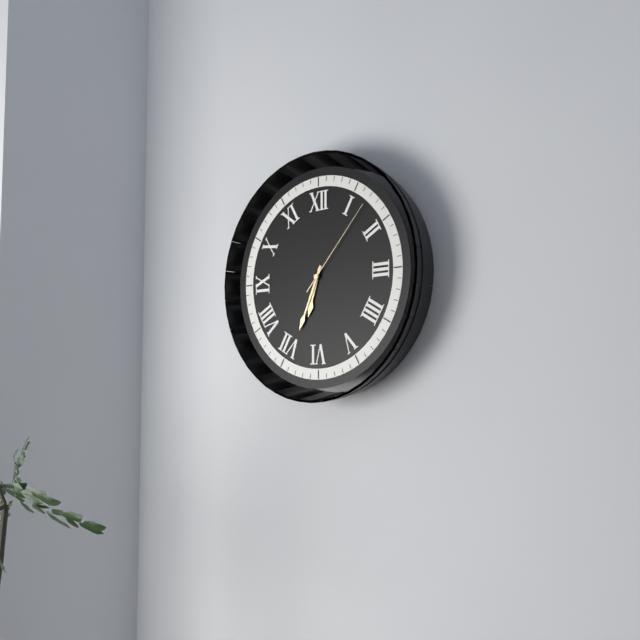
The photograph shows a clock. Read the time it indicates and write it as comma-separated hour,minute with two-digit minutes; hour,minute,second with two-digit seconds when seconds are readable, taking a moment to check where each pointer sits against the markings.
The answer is 6,34,07
